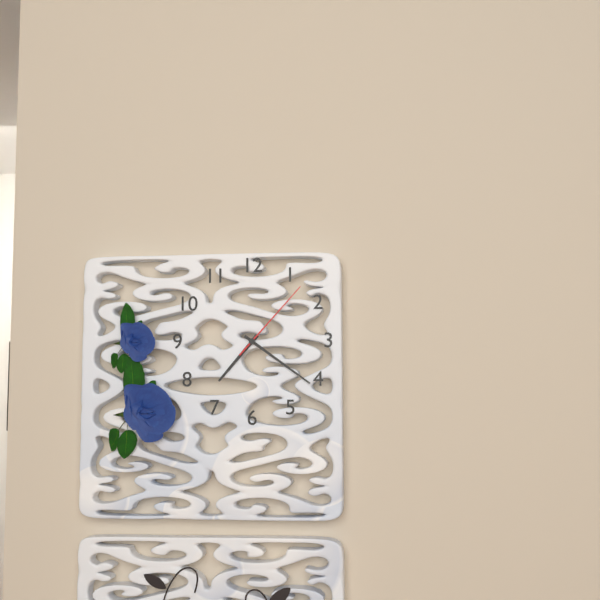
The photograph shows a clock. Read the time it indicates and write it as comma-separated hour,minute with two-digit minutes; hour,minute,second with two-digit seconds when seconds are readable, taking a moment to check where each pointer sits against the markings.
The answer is 7,21,07
